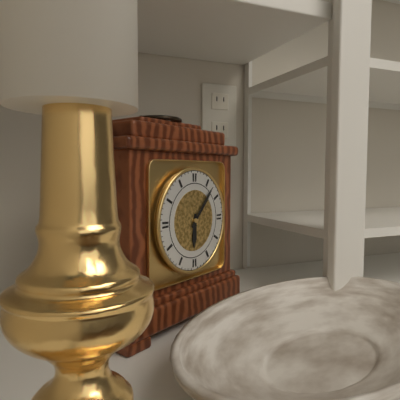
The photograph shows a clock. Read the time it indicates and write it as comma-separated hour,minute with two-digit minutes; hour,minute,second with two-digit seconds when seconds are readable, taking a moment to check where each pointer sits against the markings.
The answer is 6,07
